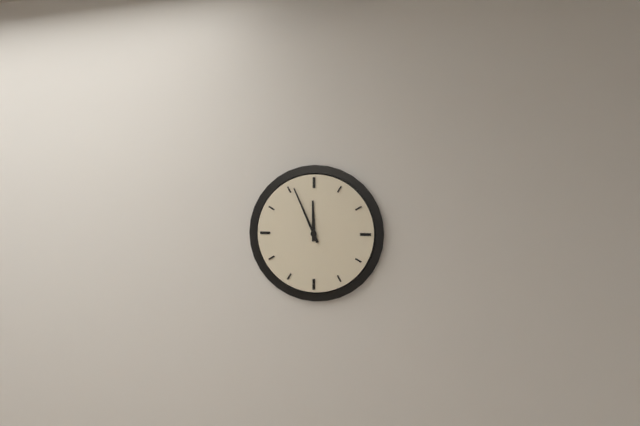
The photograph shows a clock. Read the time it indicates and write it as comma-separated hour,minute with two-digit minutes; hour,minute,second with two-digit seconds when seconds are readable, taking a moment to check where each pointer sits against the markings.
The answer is 11,56
